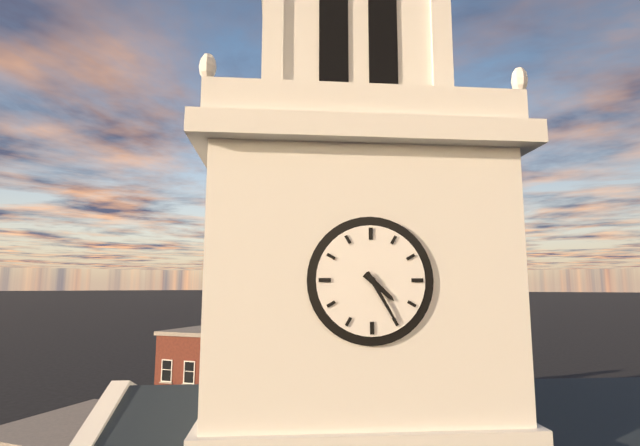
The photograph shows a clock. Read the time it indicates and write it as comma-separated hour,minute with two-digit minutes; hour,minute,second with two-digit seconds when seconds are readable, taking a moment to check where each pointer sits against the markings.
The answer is 4,25
